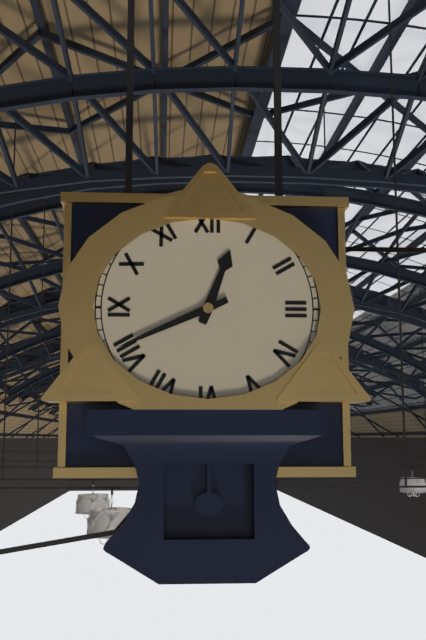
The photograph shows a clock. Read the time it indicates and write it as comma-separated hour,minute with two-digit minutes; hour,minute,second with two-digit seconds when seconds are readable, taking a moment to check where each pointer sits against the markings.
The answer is 12,41
